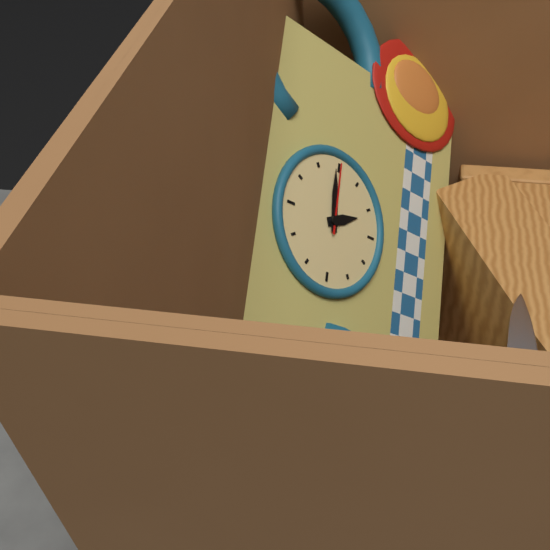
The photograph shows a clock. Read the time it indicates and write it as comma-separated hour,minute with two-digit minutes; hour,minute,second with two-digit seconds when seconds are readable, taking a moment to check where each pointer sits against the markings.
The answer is 5,14,15
